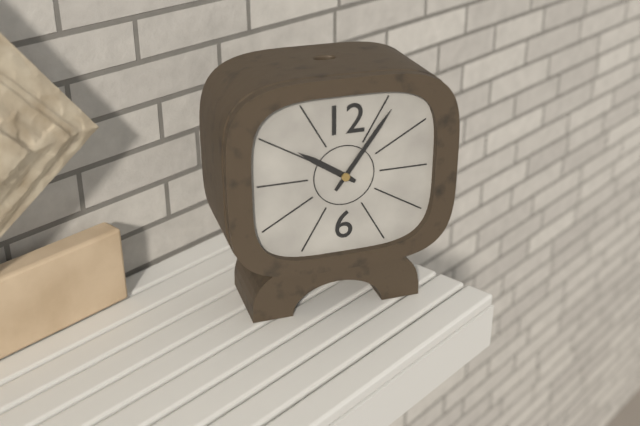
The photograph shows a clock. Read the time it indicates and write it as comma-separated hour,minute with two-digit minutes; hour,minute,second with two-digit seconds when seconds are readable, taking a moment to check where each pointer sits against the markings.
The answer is 10,06
